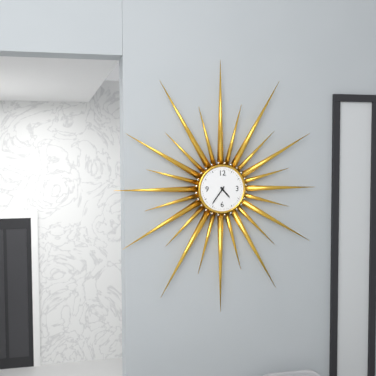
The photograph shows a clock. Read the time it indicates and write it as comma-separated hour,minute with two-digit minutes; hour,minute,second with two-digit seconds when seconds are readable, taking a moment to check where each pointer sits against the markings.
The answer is 4,36
